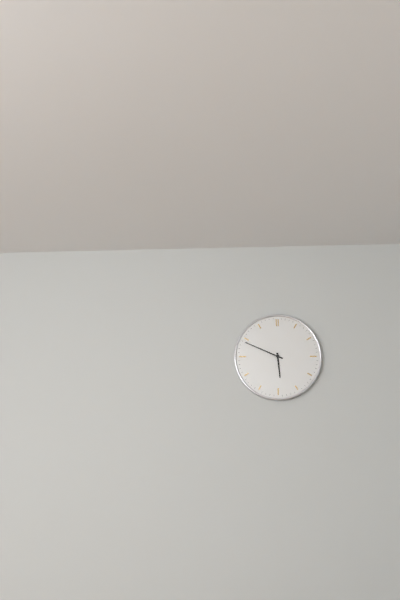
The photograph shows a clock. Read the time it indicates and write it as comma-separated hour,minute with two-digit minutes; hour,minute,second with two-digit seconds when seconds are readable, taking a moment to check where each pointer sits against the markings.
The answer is 5,49
